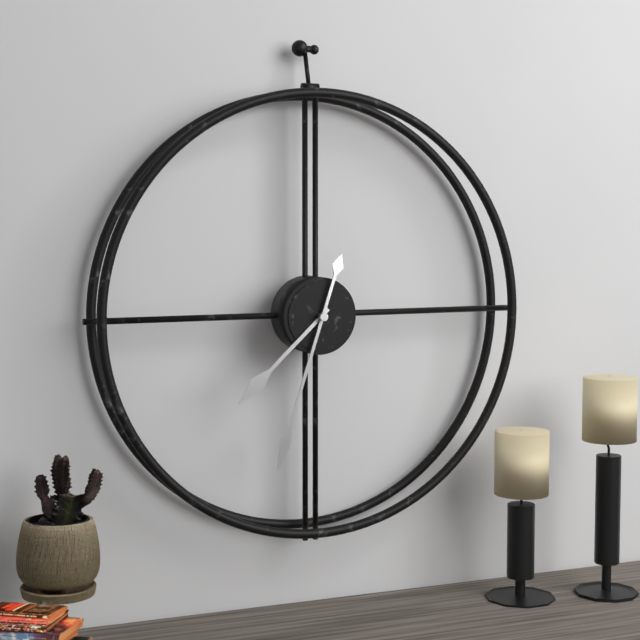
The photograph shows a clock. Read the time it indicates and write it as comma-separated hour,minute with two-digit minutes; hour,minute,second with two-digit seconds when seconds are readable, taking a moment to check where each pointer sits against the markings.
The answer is 7,33
